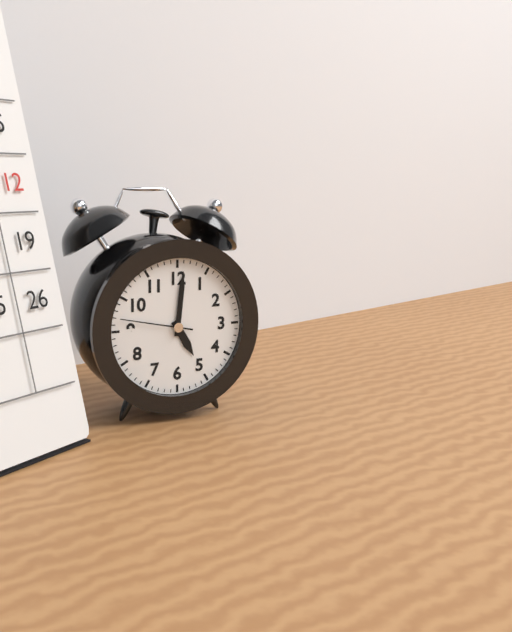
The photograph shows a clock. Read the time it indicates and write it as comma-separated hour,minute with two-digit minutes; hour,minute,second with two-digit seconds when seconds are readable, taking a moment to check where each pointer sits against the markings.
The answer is 5,01,47
